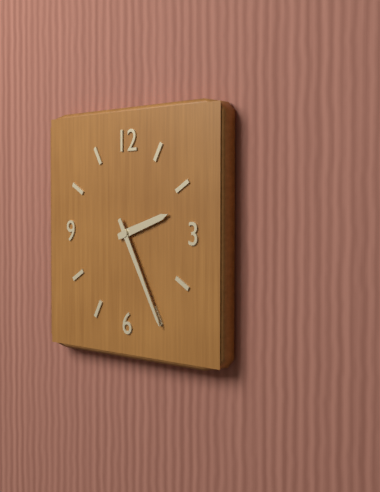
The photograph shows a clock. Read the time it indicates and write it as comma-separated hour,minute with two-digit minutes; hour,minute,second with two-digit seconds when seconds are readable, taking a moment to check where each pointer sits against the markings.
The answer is 2,25
